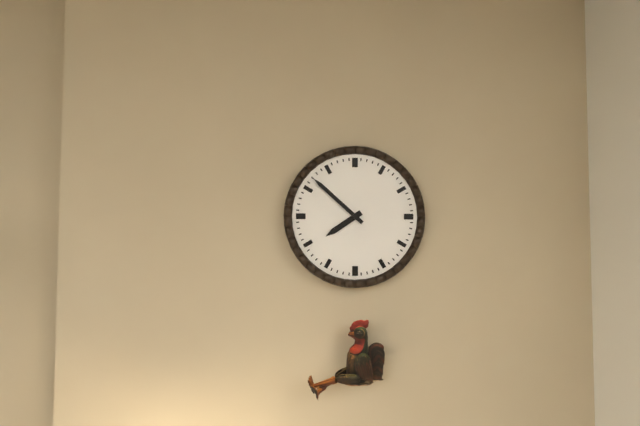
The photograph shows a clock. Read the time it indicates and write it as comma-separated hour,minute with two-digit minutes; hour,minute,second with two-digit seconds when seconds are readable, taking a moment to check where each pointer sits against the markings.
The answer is 7,52
